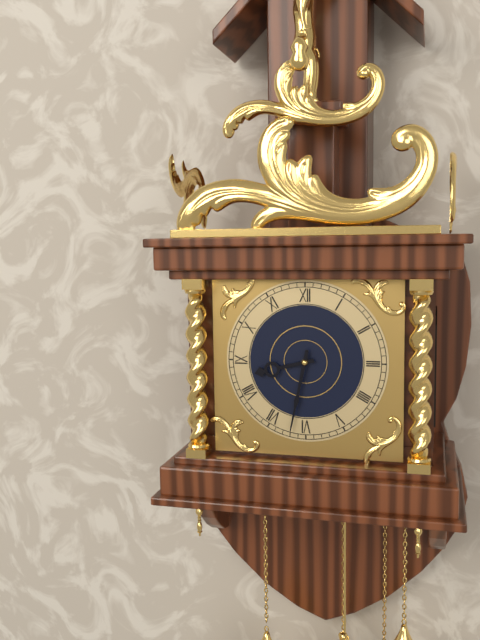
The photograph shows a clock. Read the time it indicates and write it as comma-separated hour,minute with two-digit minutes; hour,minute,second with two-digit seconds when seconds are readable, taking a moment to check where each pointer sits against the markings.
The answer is 8,32
